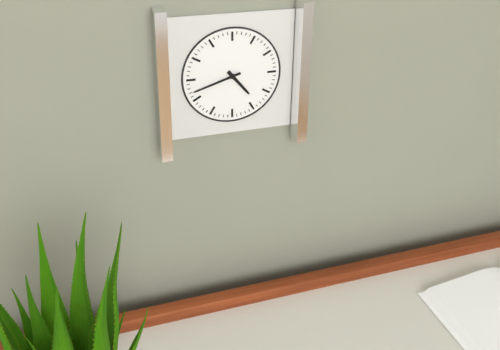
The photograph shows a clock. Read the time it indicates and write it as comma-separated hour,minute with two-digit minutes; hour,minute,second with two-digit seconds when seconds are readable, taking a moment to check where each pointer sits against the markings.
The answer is 4,42
